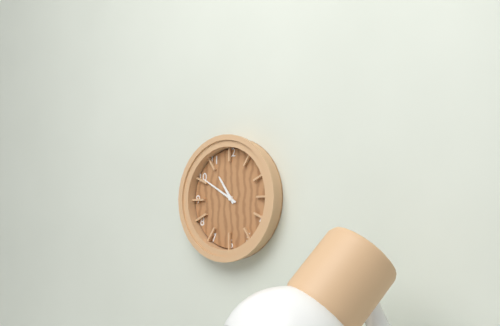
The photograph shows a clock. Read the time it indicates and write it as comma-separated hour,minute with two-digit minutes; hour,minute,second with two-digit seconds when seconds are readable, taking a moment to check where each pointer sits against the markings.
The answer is 10,50
